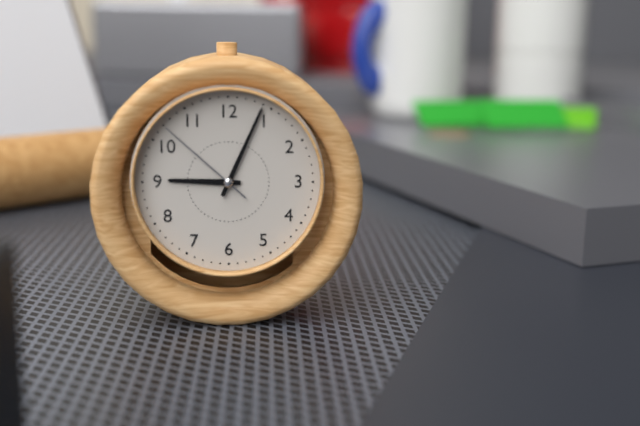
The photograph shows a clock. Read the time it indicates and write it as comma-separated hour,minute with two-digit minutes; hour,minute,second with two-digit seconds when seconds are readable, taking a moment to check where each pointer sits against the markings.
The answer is 9,04,52
